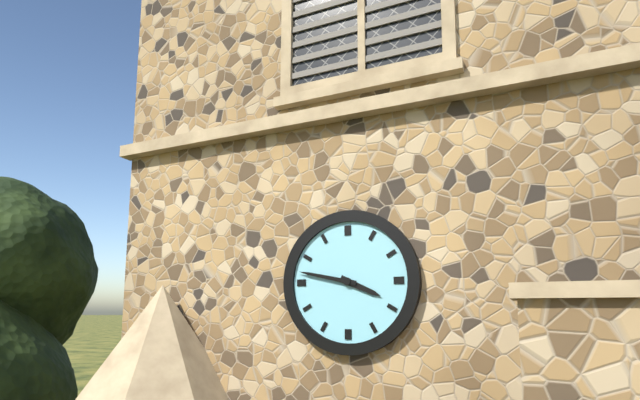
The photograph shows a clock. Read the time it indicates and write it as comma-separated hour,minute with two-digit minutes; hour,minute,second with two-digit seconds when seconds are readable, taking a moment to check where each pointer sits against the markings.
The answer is 3,47
